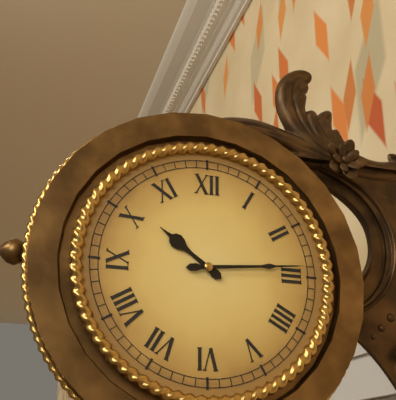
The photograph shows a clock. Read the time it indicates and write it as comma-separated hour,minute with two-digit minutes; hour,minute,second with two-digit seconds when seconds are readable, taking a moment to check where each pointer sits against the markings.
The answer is 10,14
